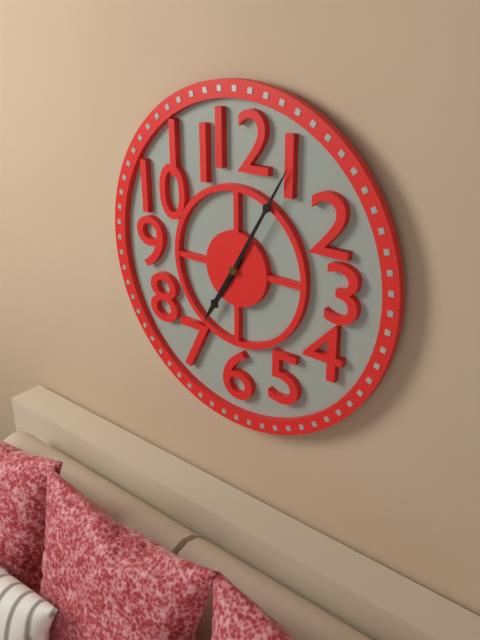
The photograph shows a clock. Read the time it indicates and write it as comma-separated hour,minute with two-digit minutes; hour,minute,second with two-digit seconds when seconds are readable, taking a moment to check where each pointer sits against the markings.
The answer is 7,05
